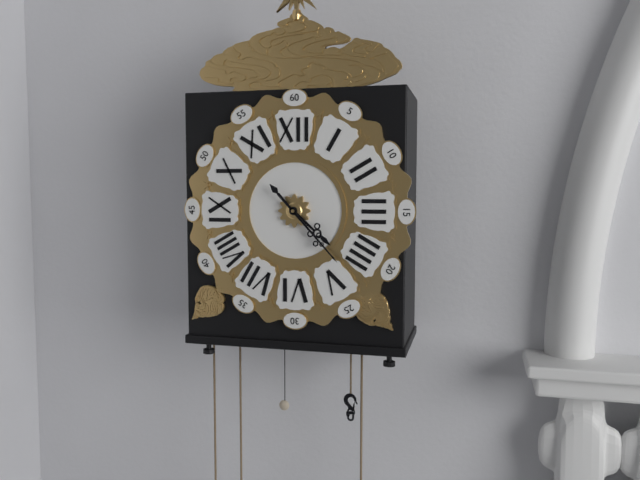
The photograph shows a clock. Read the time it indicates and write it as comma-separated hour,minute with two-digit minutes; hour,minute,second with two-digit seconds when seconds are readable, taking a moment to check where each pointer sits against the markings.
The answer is 4,23
